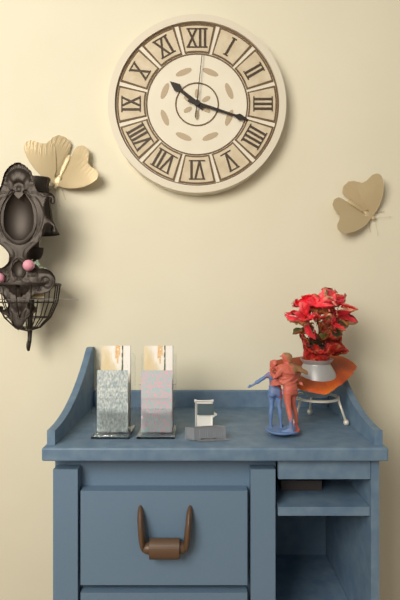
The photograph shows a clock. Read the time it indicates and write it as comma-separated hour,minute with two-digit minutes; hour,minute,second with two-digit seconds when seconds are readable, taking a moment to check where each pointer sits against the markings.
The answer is 10,18,01
